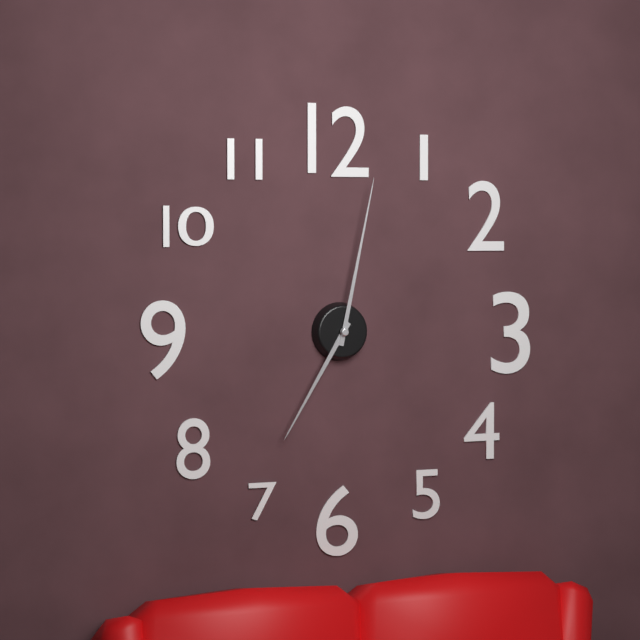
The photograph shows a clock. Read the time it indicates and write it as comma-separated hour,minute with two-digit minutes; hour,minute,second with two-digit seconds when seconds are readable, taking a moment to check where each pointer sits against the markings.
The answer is 7,02
